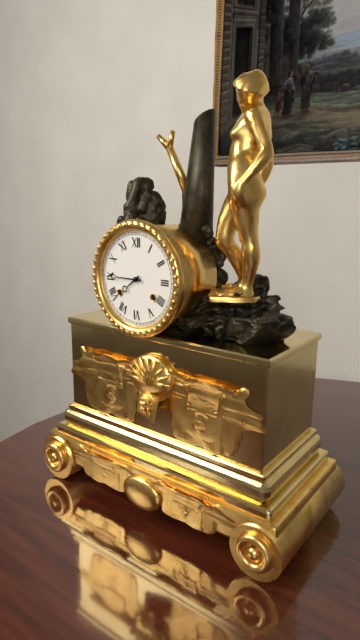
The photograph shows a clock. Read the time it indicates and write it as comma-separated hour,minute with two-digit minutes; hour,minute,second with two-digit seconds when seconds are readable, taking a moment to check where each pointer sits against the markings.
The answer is 7,45
